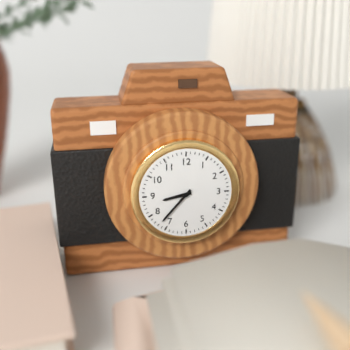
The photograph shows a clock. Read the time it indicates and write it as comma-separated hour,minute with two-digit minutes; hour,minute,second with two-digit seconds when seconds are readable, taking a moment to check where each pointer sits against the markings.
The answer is 8,37
